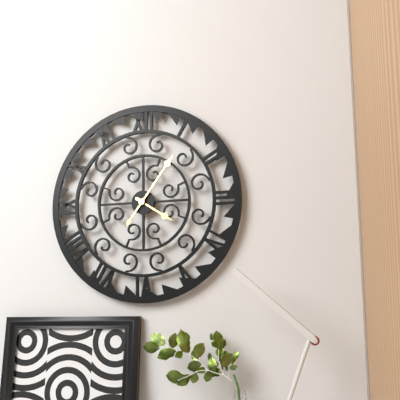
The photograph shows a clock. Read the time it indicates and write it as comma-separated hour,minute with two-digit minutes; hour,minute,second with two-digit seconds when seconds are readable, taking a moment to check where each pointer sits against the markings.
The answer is 4,06
